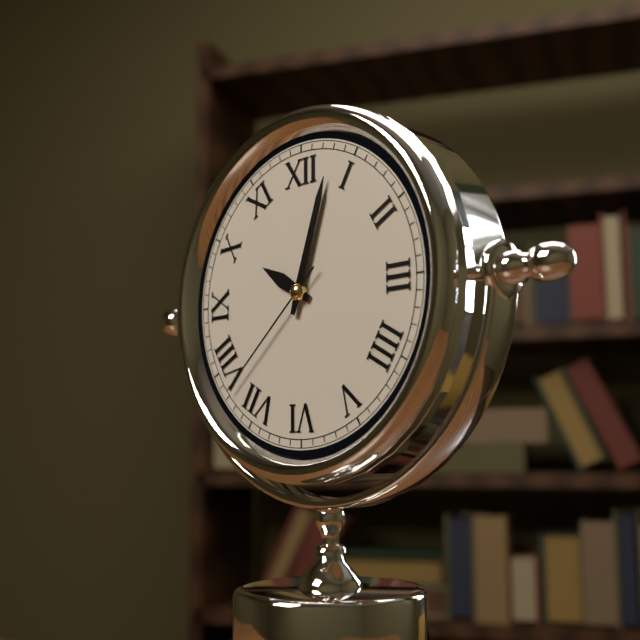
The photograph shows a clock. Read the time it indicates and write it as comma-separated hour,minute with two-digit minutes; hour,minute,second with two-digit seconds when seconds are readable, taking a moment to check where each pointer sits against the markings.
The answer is 10,03,38
